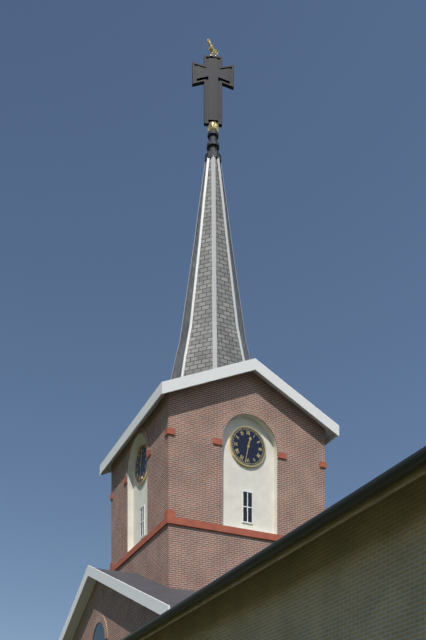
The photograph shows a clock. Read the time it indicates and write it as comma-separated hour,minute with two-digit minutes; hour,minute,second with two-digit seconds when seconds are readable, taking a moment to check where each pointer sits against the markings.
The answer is 12,32
